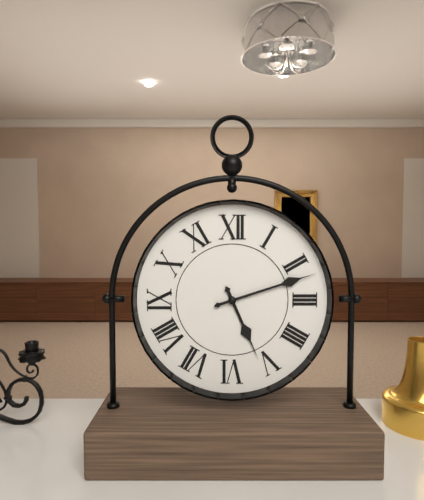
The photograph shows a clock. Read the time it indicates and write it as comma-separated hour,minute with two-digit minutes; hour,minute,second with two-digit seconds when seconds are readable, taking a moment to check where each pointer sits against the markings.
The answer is 5,12
